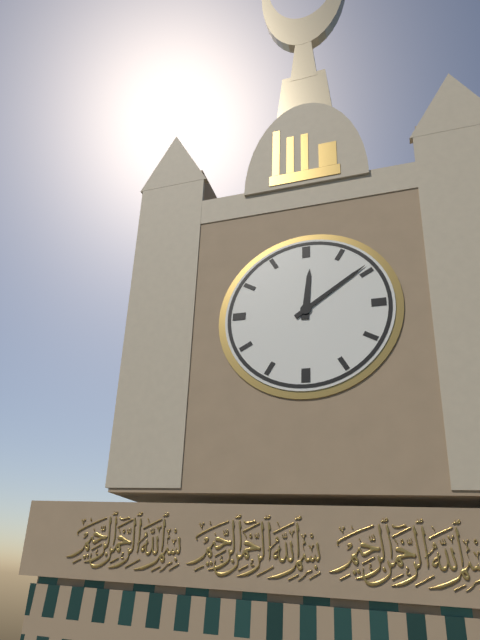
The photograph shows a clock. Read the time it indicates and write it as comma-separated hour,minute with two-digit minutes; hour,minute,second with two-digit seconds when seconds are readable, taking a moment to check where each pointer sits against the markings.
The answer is 12,09
